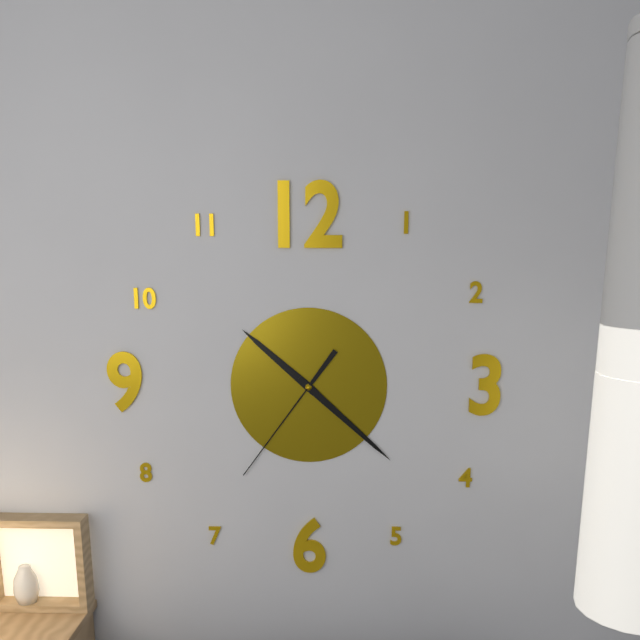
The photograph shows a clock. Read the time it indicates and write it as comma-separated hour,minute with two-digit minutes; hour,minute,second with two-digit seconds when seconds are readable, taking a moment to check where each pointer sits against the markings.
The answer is 10,22,36
